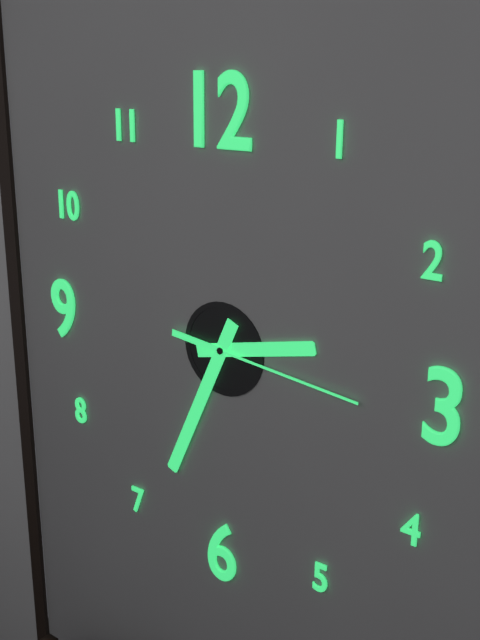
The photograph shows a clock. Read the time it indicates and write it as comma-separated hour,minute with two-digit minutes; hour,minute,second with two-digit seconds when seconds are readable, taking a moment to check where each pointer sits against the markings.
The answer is 2,34,16
